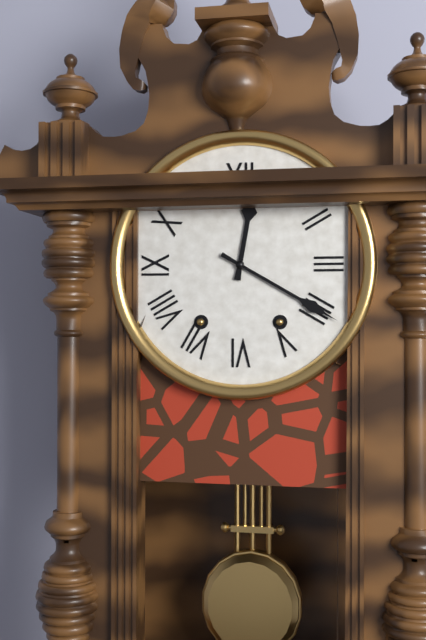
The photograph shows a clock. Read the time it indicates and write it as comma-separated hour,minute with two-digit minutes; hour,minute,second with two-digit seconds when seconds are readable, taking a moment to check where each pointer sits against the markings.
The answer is 12,20
